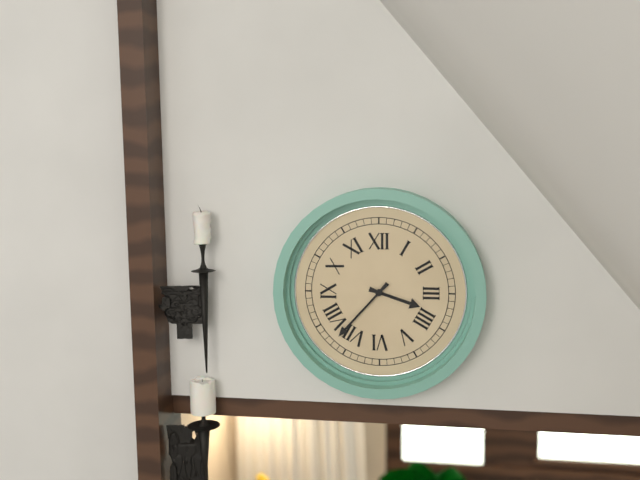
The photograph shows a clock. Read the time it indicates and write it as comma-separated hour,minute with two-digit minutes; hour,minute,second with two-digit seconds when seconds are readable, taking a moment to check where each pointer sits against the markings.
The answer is 3,37
